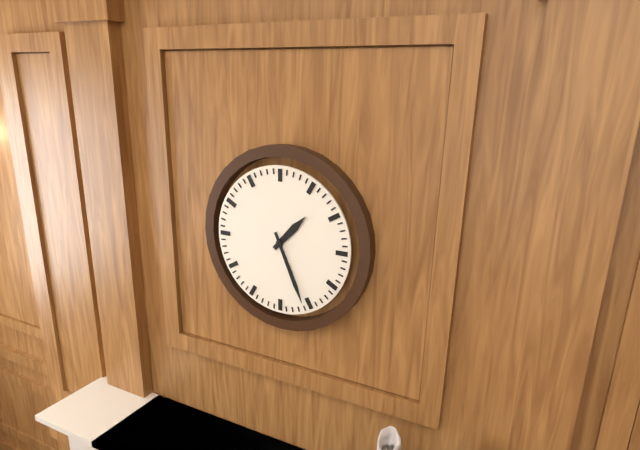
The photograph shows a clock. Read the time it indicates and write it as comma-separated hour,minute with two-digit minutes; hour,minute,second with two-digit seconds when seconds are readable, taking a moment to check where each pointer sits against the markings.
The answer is 1,26
